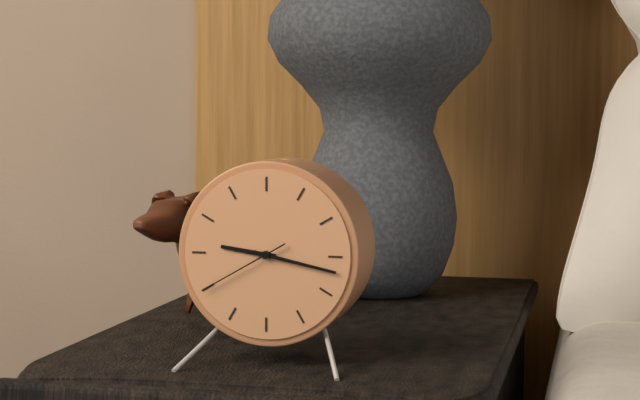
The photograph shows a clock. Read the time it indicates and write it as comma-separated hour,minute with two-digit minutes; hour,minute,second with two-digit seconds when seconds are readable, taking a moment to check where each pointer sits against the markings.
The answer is 9,17,40
